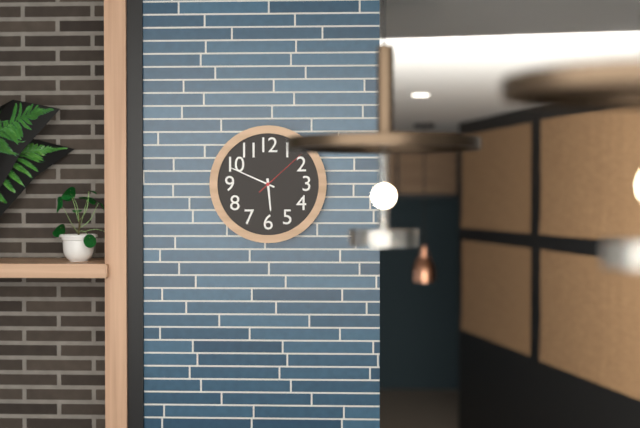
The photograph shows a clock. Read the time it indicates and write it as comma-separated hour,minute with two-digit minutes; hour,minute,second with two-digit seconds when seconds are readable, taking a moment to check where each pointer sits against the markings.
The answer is 5,49,08
